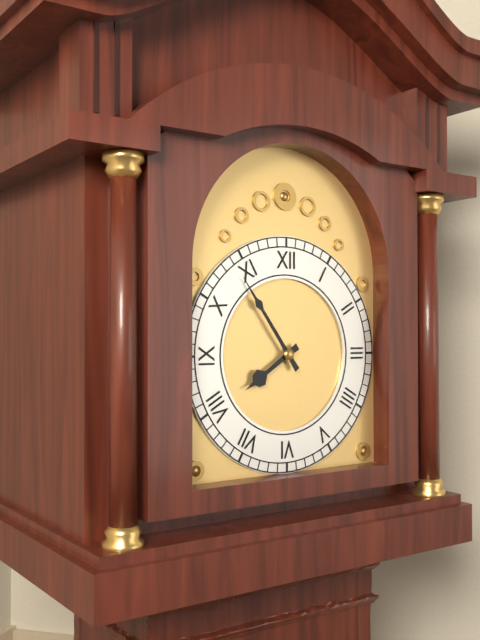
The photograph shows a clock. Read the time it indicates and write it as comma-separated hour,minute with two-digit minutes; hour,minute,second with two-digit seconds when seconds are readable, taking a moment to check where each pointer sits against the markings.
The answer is 7,54
